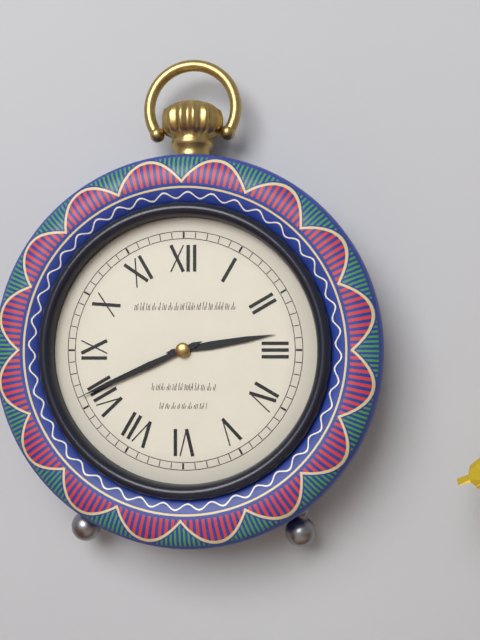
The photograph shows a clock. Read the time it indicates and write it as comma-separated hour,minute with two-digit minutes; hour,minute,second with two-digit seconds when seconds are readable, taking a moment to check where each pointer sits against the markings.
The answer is 2,41
